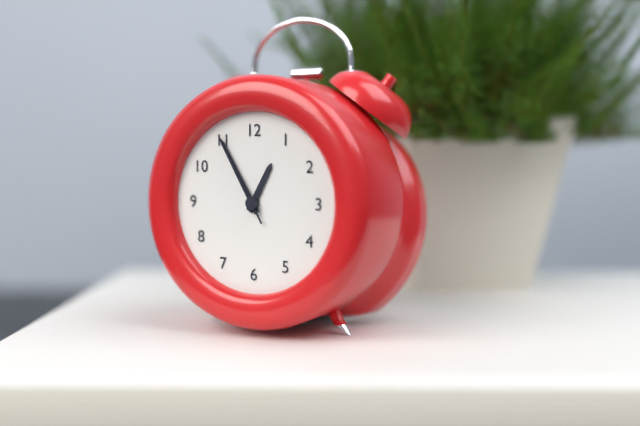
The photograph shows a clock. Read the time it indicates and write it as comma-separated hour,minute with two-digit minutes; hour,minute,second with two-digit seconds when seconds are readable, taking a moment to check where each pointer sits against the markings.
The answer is 12,55,55
